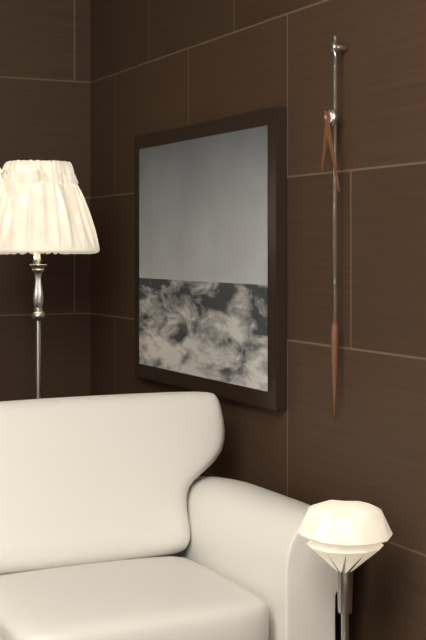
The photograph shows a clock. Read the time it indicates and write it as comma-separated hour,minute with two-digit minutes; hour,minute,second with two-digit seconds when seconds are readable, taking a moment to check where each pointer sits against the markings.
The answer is 6,27
